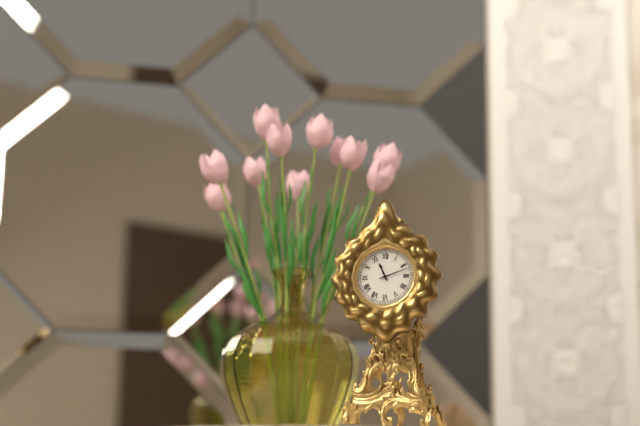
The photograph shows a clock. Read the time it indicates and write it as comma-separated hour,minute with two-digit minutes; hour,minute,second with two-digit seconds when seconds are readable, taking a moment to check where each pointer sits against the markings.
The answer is 11,12
